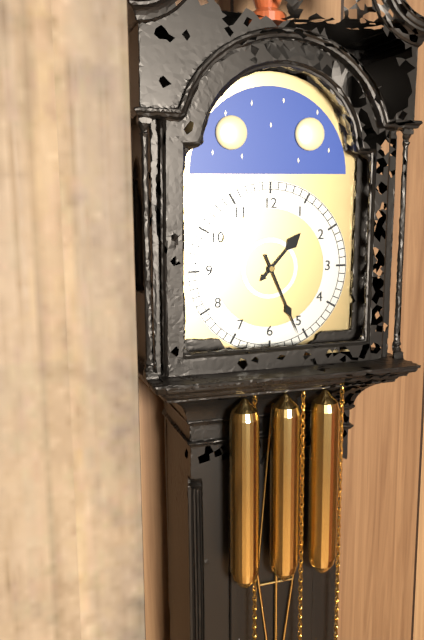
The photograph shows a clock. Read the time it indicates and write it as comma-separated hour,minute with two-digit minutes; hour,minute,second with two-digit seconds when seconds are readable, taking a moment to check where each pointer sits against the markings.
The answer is 1,26
